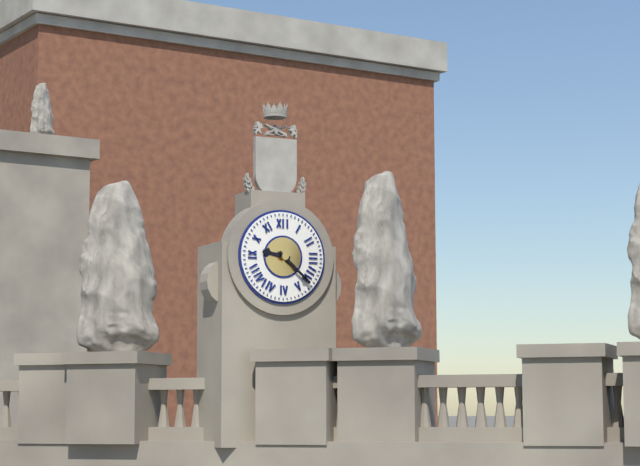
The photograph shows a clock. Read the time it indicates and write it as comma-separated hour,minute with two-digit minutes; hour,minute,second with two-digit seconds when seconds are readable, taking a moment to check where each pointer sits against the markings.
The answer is 9,22
